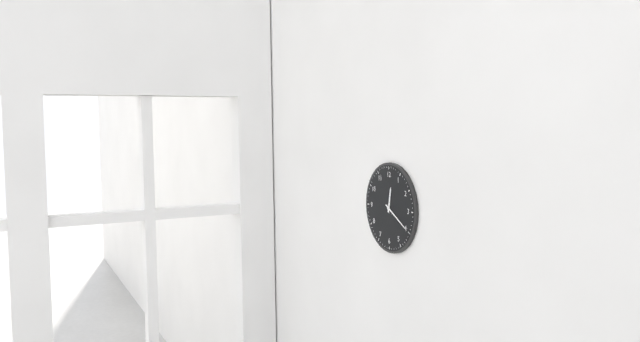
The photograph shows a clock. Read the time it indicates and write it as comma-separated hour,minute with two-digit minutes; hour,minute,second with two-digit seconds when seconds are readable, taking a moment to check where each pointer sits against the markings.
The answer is 12,20
